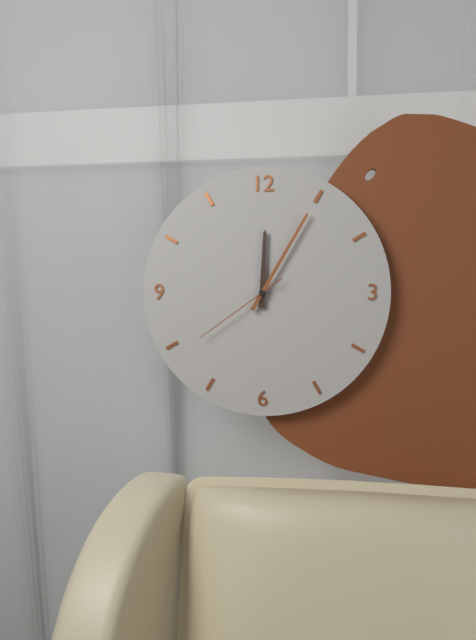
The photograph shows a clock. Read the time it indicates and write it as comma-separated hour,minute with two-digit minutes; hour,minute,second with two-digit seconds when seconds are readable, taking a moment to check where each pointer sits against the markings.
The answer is 12,05,39
